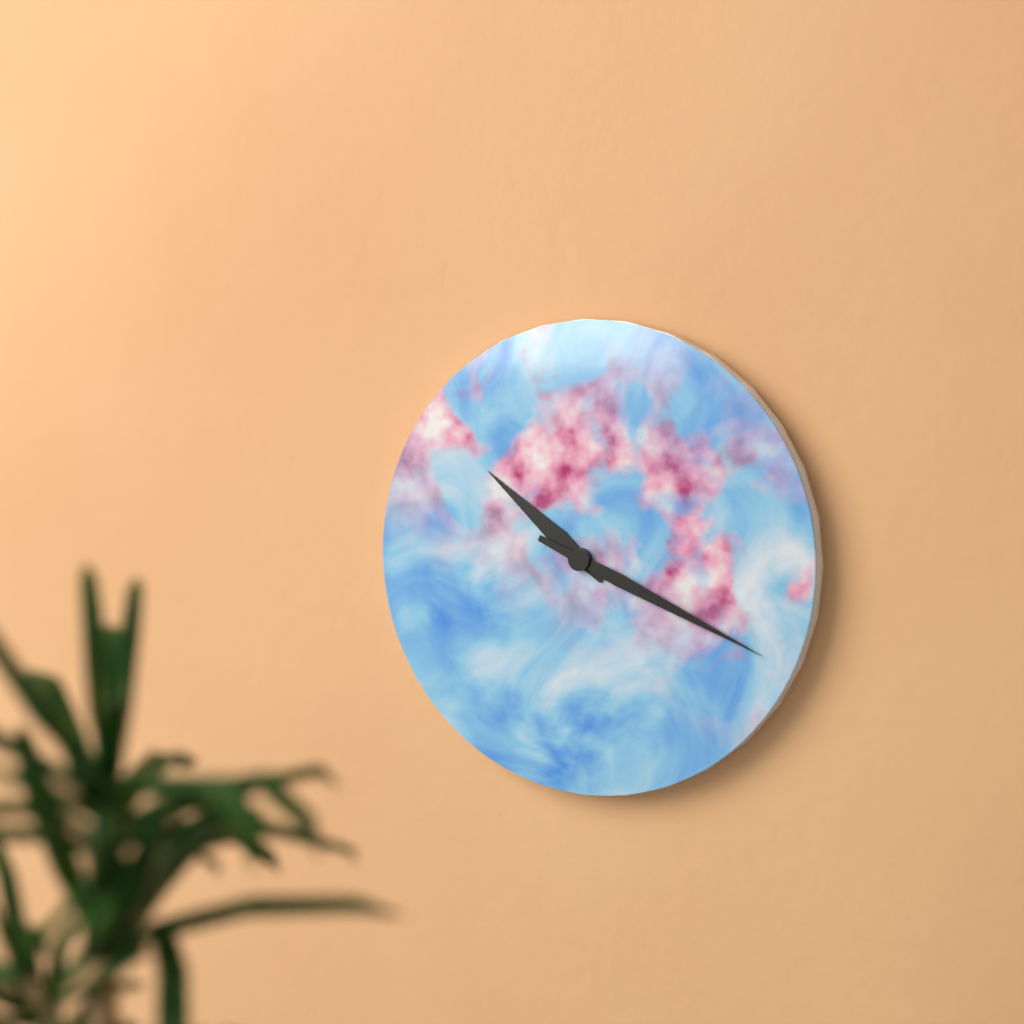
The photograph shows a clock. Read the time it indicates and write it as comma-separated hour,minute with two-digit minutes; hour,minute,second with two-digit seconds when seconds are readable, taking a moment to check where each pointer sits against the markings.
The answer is 10,19
